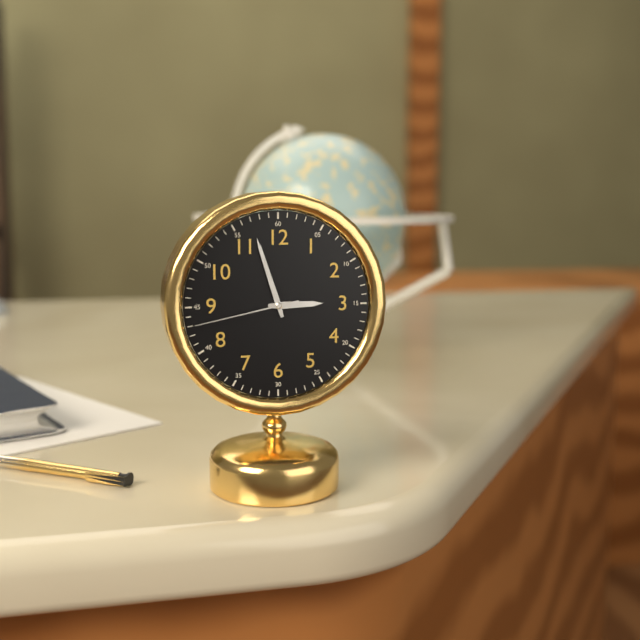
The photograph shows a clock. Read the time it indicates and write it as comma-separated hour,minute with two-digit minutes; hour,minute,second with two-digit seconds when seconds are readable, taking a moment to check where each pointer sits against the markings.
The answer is 2,57,43
